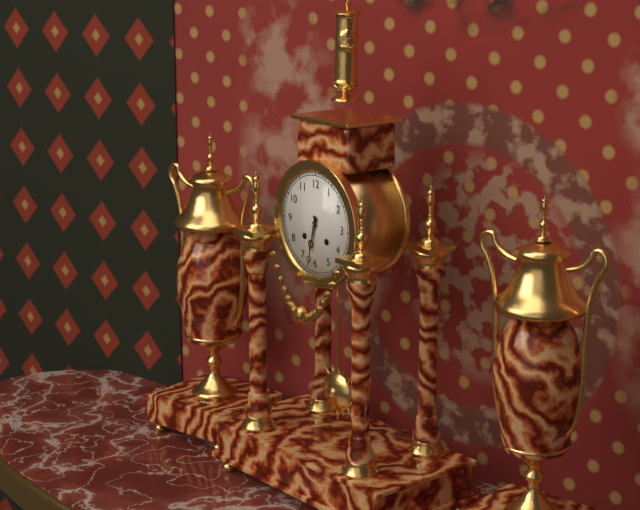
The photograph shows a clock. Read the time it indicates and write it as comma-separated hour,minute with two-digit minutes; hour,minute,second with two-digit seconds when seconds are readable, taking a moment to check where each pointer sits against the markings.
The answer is 6,32
